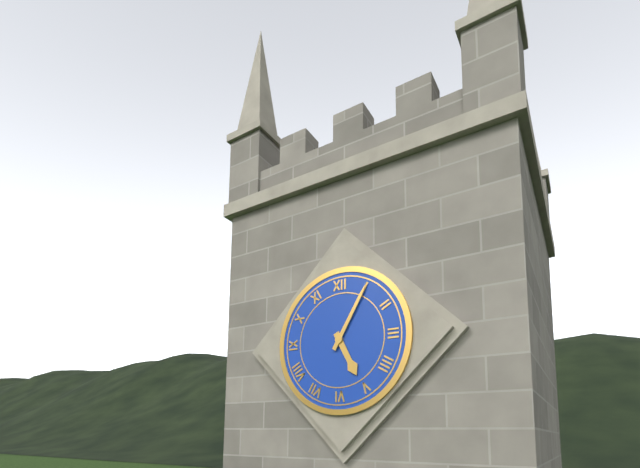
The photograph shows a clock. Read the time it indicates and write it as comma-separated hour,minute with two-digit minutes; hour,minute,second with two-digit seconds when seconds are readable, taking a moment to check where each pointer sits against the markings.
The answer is 5,05
